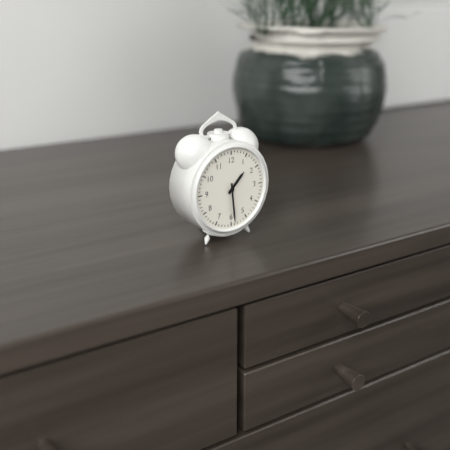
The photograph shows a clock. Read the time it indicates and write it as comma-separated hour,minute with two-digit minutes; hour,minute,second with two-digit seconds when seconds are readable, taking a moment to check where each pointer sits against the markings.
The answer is 1,29
